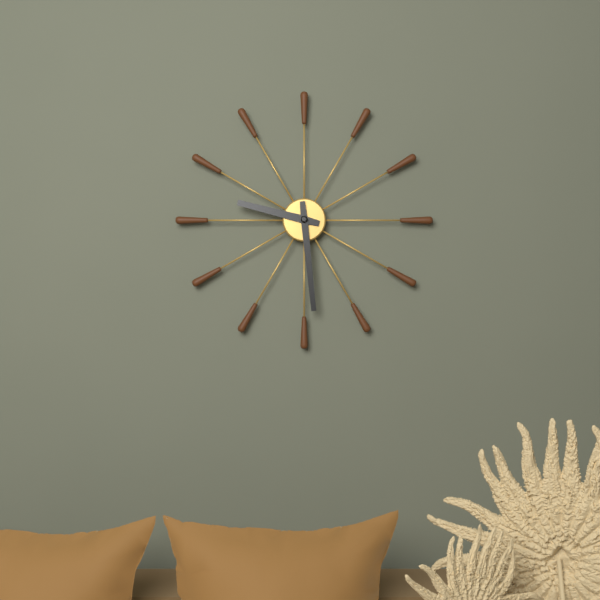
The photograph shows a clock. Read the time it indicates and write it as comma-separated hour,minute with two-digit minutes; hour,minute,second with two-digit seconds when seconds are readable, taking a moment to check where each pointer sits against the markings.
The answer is 9,29
